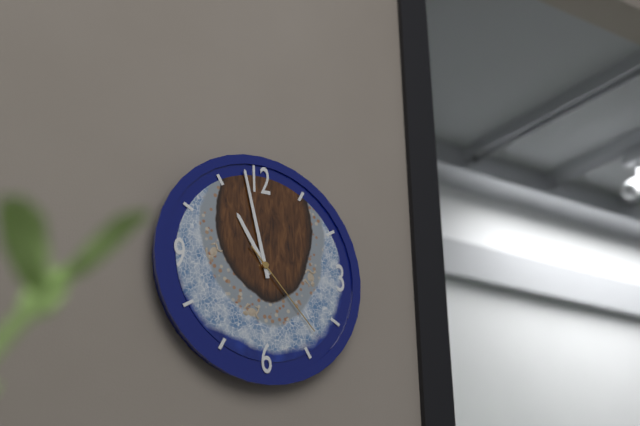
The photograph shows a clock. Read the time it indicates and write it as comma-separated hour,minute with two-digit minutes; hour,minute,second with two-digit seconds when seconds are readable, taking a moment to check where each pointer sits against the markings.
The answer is 10,58,23
